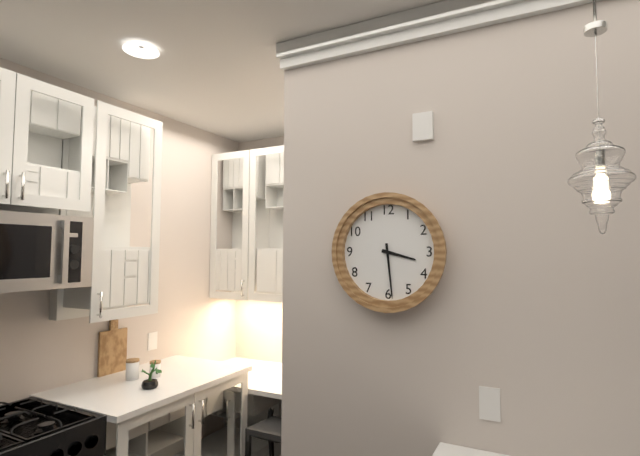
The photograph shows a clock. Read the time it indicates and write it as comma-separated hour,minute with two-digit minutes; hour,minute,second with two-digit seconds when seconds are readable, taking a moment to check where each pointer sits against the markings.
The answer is 3,29
